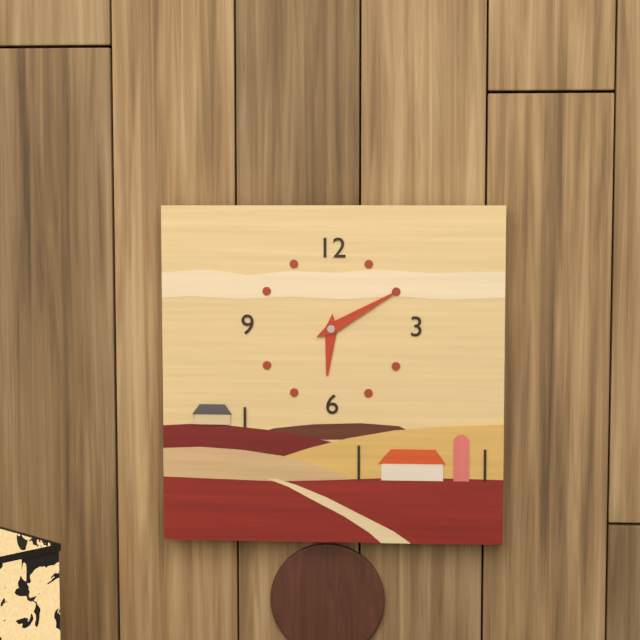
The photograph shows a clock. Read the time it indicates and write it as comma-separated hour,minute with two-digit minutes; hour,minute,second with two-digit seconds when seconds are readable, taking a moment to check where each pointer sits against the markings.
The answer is 6,10
